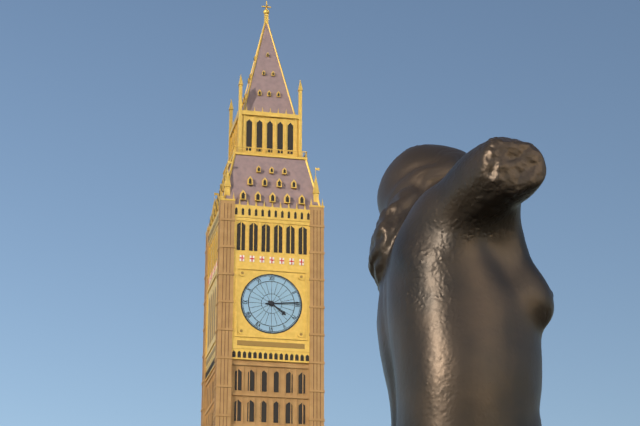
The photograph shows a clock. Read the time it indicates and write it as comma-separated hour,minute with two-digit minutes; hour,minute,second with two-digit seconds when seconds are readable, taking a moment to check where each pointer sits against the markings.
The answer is 4,14
